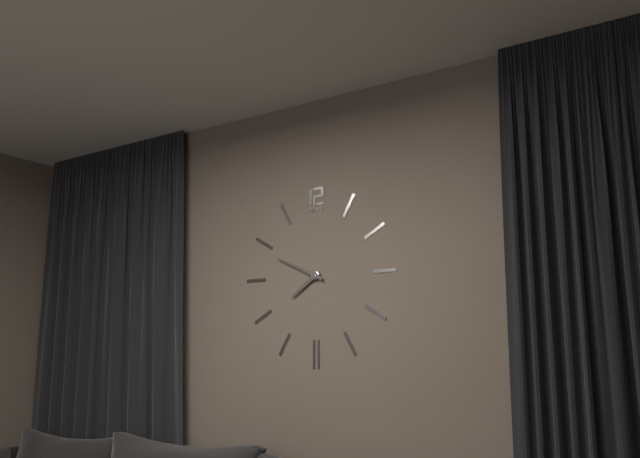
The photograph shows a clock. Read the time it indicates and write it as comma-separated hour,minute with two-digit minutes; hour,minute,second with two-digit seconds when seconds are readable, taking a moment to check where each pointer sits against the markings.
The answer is 7,49
